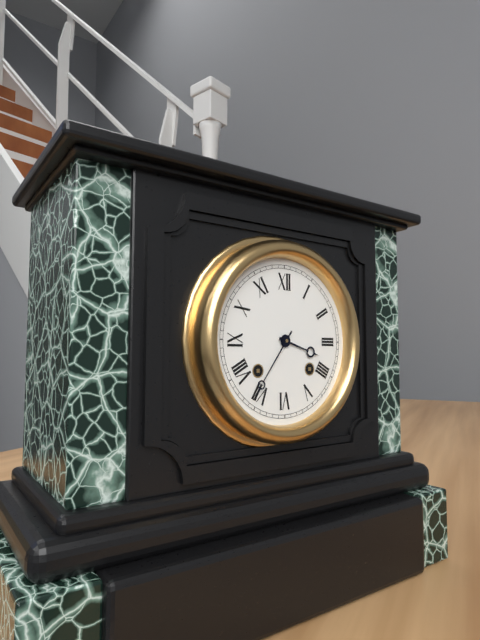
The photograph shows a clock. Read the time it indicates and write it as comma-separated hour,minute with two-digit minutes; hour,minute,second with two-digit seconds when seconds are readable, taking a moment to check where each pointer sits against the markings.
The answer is 3,36
